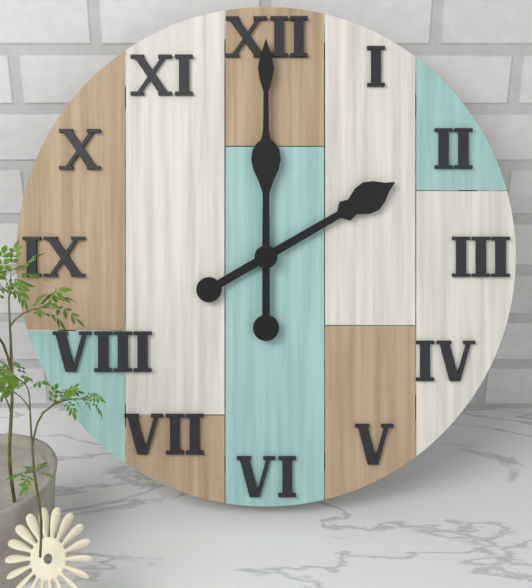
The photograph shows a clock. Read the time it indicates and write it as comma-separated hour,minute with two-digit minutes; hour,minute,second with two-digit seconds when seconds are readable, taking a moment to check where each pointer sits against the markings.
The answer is 2,00
